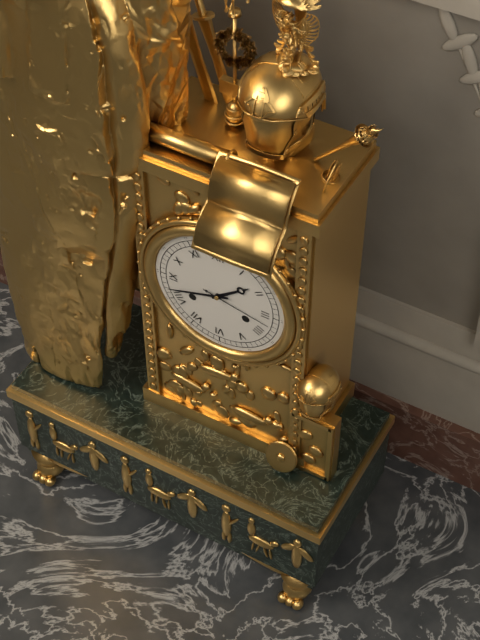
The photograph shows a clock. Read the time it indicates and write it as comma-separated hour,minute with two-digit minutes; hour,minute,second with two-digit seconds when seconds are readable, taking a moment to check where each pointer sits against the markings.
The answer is 1,42,17
